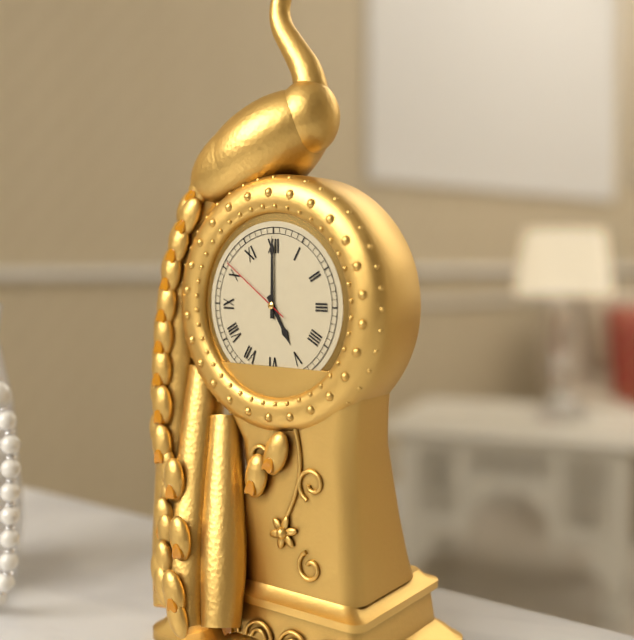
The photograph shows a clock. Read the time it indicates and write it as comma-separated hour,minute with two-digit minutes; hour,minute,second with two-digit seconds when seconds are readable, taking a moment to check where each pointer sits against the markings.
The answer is 5,00,51
